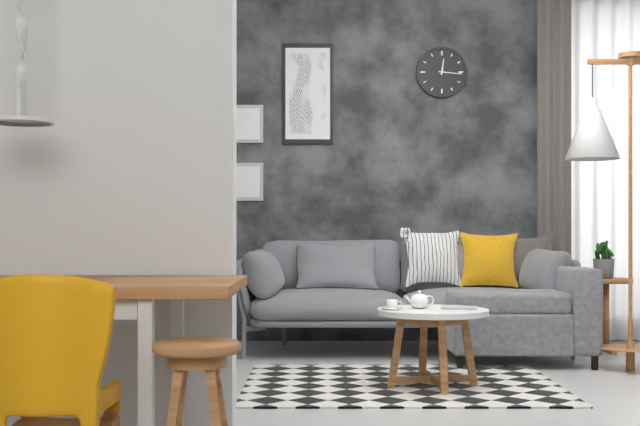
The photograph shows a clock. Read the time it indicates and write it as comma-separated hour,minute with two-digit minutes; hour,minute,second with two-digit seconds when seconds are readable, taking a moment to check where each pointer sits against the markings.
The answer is 12,16
